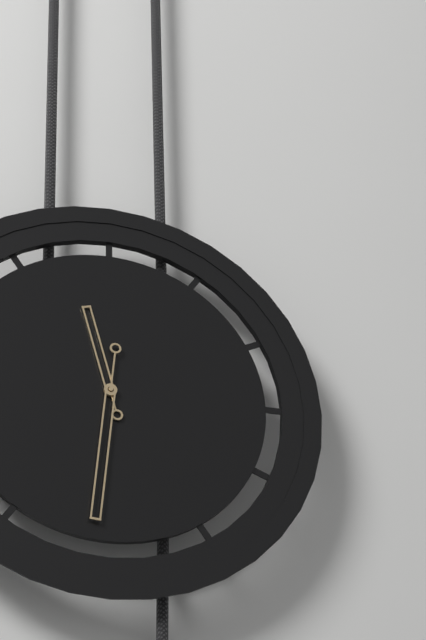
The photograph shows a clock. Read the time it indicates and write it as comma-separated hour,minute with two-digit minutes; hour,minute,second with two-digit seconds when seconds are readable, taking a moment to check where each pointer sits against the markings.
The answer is 11,31
